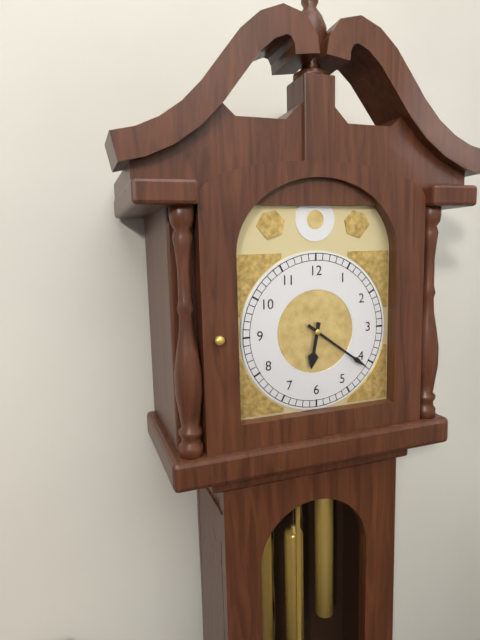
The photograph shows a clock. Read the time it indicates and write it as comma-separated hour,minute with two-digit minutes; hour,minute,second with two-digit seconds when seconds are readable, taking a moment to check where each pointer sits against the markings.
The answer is 6,21
